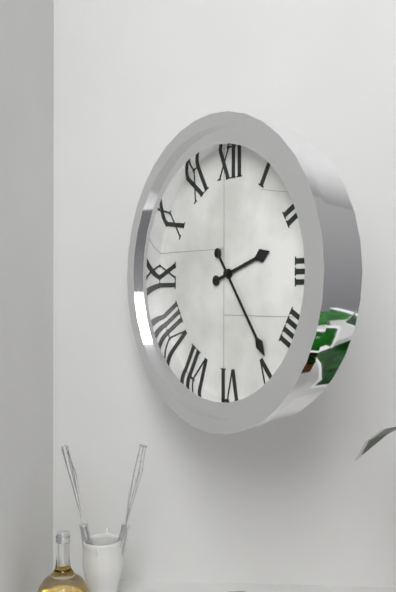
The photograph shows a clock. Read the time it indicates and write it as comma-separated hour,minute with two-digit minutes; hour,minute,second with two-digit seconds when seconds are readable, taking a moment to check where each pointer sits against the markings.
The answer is 2,24
